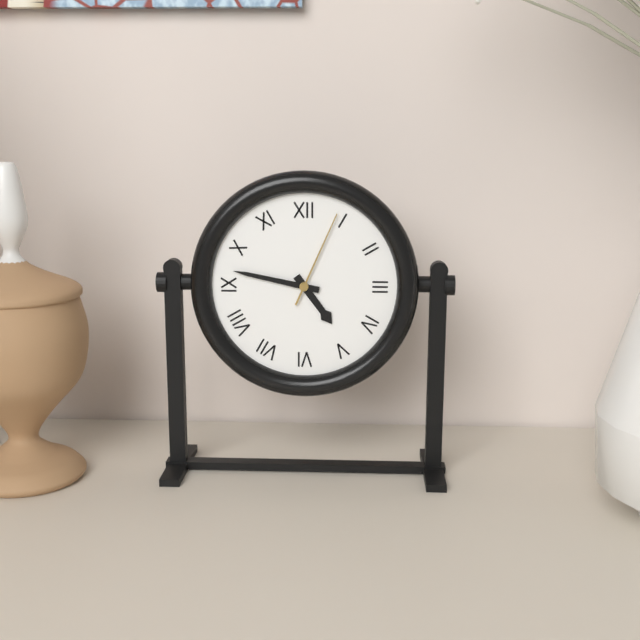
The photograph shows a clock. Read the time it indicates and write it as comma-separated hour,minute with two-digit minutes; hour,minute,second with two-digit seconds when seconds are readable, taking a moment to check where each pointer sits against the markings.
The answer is 4,47,04
